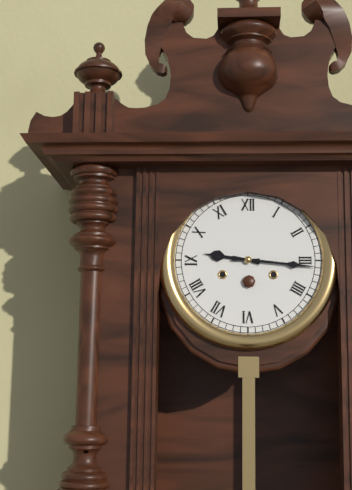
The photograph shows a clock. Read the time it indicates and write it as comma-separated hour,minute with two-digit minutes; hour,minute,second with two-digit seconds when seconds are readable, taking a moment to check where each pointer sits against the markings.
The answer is 9,16
